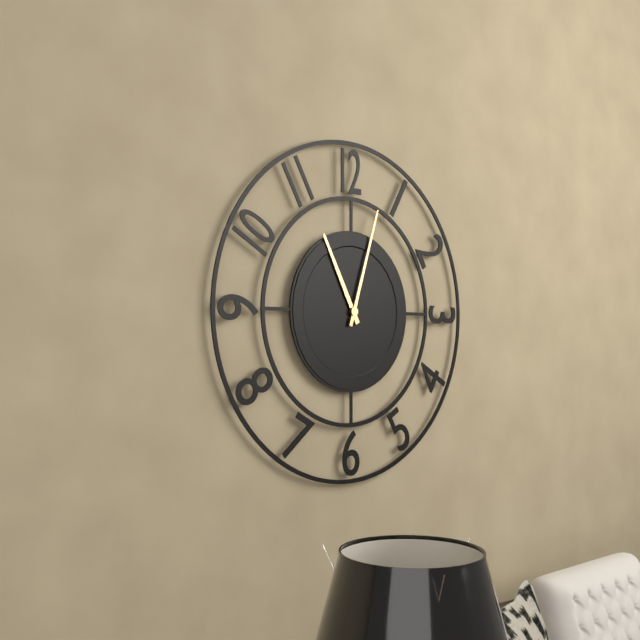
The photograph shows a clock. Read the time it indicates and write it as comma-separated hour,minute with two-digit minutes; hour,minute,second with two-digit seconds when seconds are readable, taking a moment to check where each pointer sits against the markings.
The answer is 11,03
